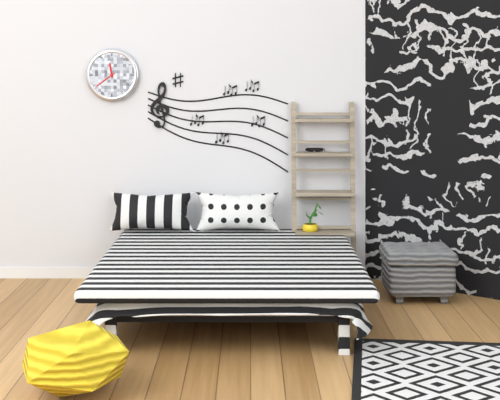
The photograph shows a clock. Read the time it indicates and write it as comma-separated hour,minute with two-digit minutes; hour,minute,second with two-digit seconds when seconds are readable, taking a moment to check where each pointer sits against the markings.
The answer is 11,39
